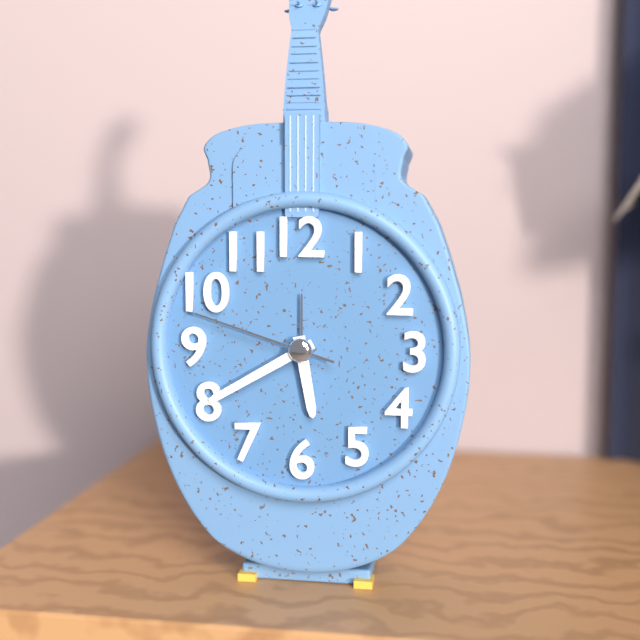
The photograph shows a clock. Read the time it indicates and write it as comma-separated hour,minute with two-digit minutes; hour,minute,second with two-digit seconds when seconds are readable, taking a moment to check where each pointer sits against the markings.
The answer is 5,40,48
